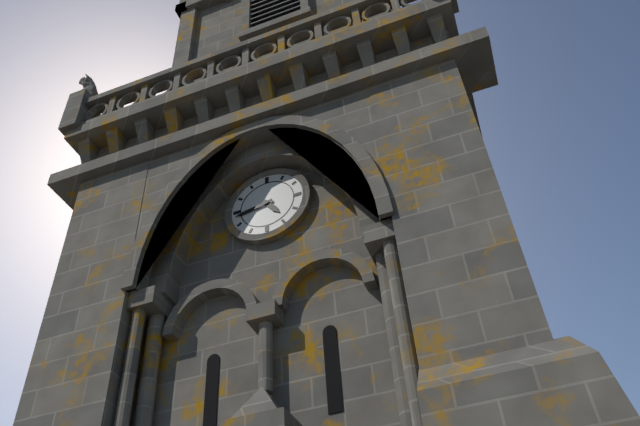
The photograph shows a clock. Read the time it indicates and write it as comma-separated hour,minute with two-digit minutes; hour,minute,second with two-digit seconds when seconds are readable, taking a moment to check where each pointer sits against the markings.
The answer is 4,43
